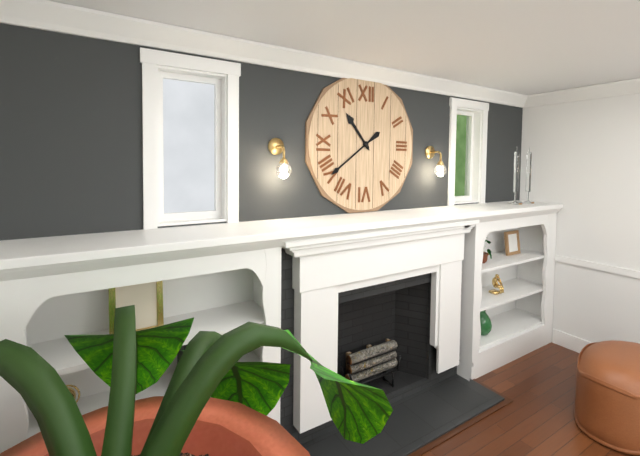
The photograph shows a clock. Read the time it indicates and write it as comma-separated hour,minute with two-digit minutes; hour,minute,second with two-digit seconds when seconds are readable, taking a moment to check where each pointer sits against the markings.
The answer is 10,39
